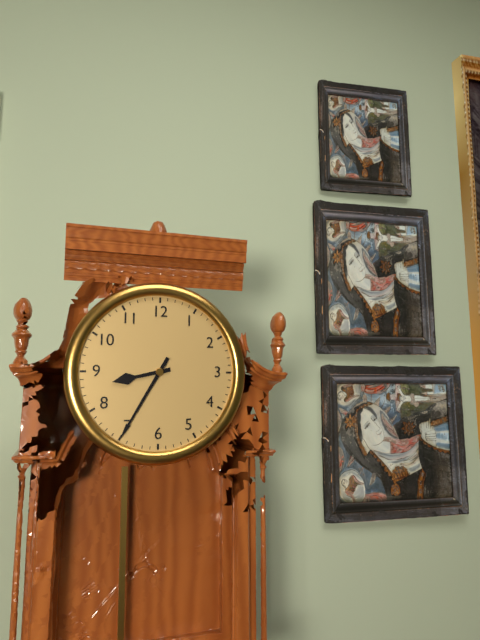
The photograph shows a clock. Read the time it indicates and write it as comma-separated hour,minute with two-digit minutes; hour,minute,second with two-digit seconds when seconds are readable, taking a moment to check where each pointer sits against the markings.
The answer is 8,35
